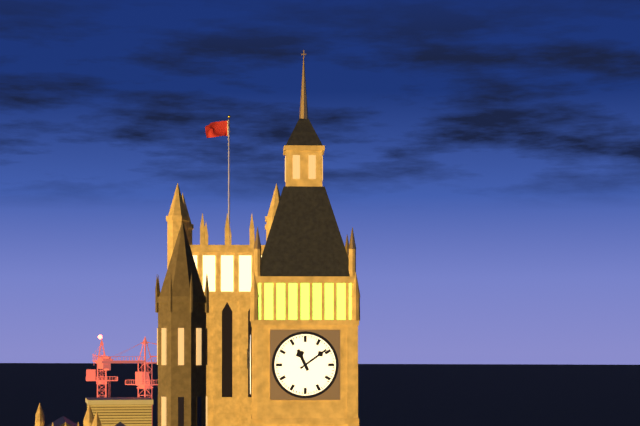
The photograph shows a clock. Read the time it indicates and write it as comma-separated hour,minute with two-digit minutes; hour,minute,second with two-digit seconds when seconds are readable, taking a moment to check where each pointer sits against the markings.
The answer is 11,09
